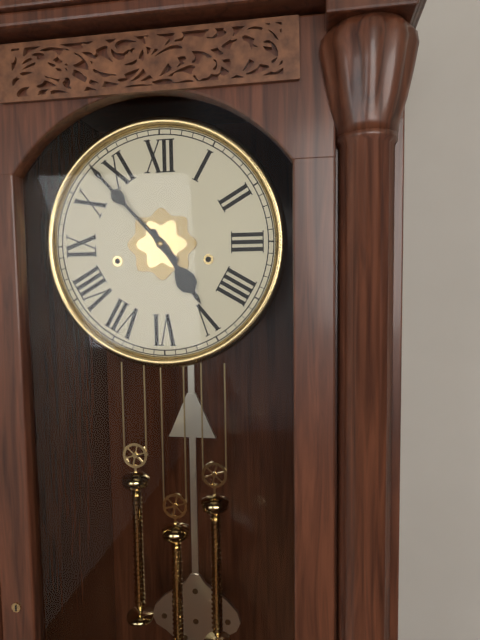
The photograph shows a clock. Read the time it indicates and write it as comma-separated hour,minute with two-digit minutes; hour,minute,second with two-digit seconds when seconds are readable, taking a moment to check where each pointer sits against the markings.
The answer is 4,53
